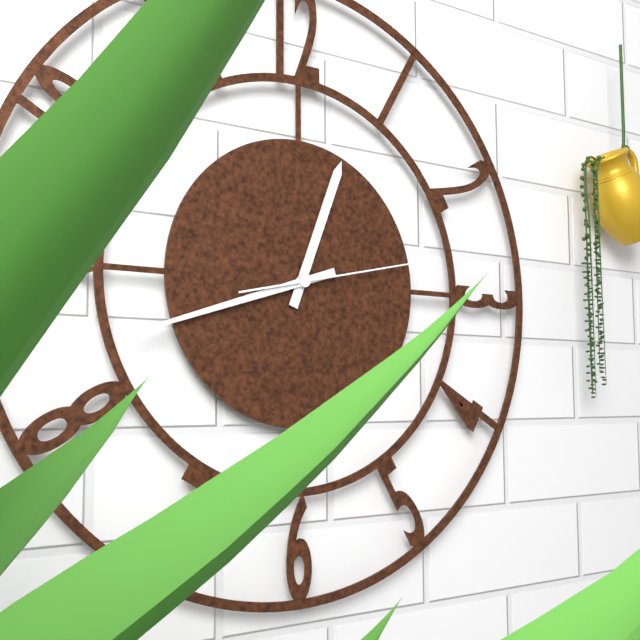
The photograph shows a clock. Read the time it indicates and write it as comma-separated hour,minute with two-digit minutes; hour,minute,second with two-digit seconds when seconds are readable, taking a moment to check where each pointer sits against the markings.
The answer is 12,42,13
